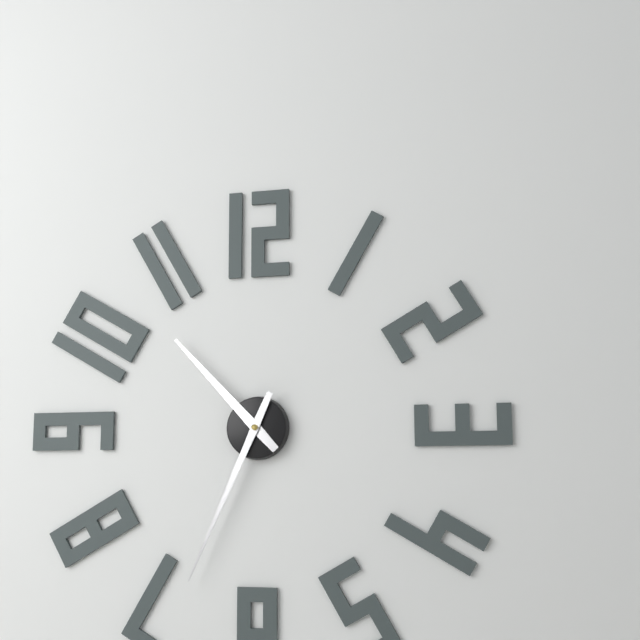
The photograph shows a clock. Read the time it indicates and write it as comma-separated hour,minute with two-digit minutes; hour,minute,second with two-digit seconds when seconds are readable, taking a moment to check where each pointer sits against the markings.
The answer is 10,34
